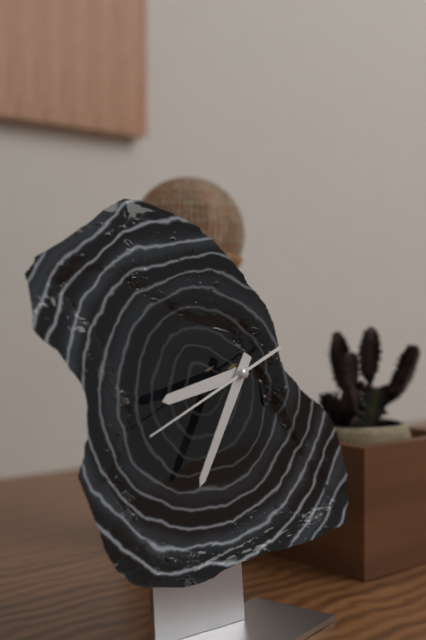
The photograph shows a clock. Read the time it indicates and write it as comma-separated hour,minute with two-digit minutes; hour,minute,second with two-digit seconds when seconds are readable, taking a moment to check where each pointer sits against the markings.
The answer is 8,35,41
